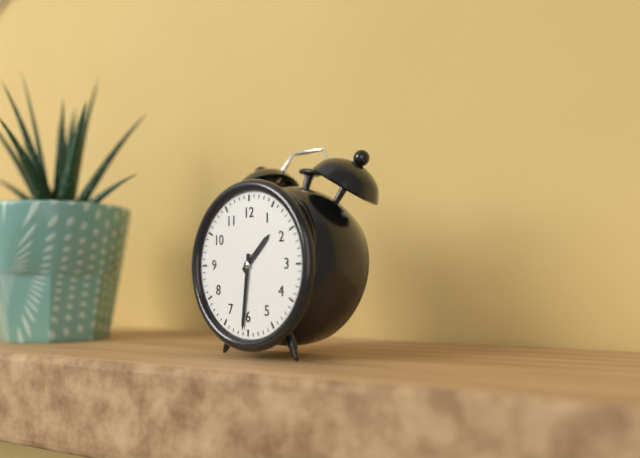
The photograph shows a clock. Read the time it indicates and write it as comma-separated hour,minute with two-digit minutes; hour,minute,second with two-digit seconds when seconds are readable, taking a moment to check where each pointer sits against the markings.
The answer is 1,31
